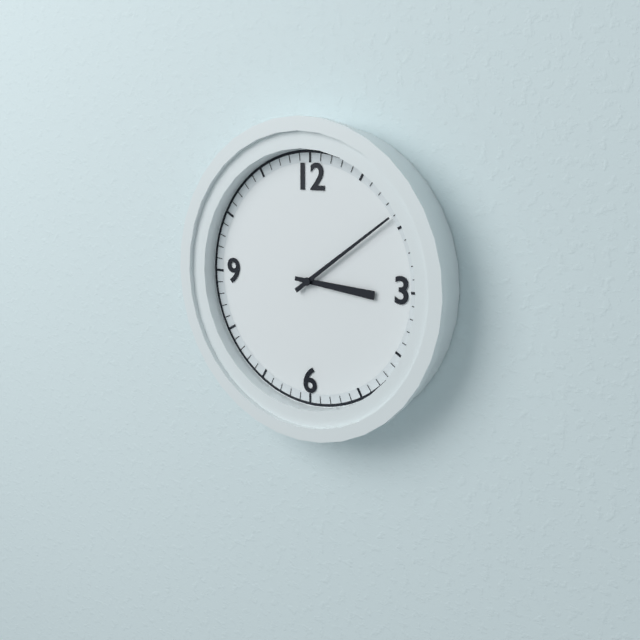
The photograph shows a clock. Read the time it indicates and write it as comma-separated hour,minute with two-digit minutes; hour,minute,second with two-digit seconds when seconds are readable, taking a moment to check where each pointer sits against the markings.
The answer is 3,09
